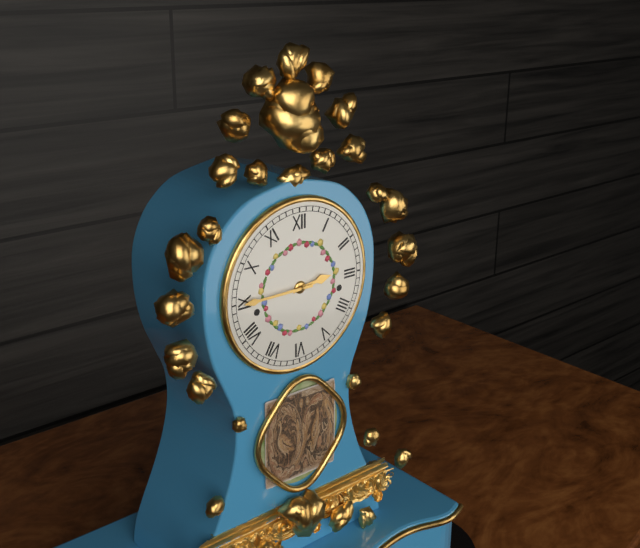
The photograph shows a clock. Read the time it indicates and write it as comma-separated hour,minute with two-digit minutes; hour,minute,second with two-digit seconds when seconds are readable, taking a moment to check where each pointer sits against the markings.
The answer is 2,45
